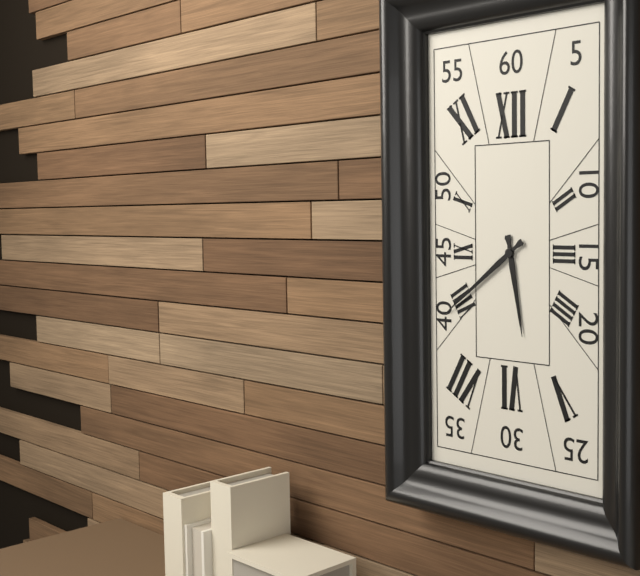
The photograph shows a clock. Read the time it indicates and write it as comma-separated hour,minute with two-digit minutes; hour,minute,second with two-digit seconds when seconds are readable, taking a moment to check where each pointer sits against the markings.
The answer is 5,39
